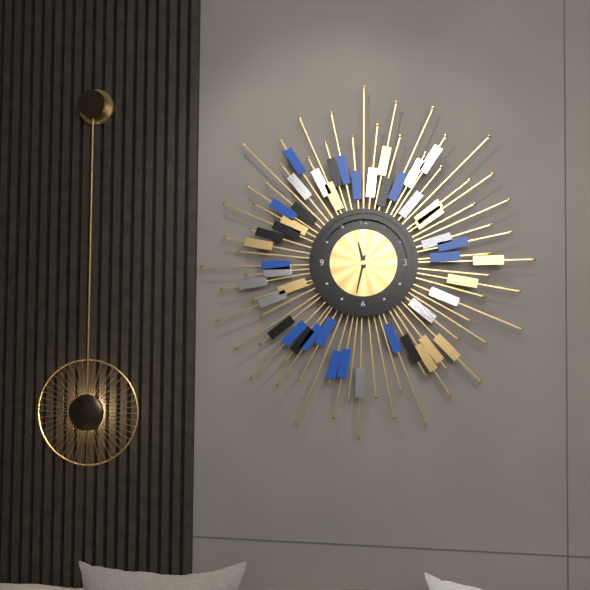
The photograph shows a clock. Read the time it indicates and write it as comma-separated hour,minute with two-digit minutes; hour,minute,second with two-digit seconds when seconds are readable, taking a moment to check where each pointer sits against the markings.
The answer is 11,32
